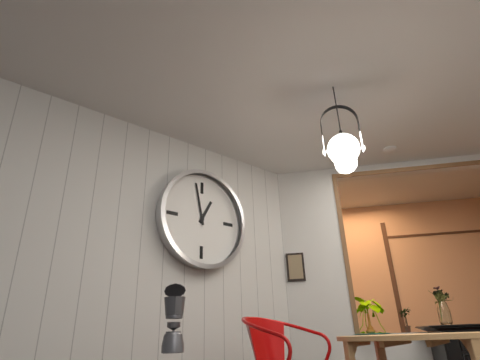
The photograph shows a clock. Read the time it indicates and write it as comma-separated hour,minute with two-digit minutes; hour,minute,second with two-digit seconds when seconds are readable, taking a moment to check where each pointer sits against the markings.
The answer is 12,58
